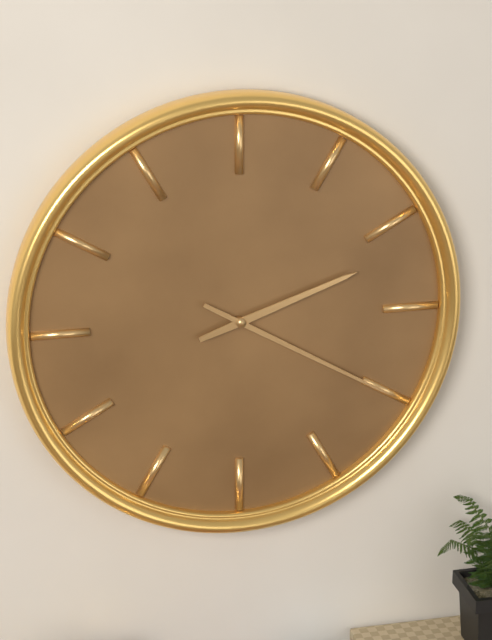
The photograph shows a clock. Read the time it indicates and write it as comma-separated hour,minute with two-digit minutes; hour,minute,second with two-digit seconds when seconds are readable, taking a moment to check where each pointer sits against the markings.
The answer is 2,20
